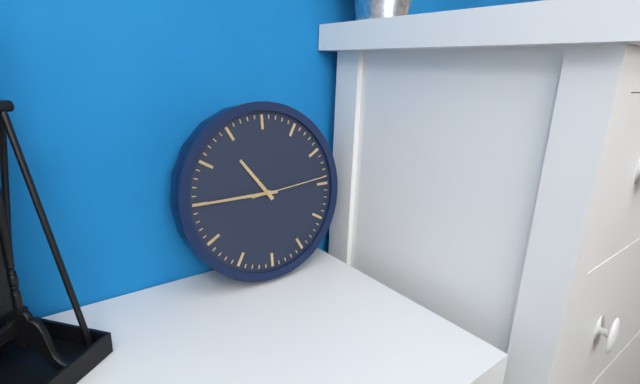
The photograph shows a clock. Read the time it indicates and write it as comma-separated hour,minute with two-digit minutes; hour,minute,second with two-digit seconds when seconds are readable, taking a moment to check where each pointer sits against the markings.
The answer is 10,45,14
